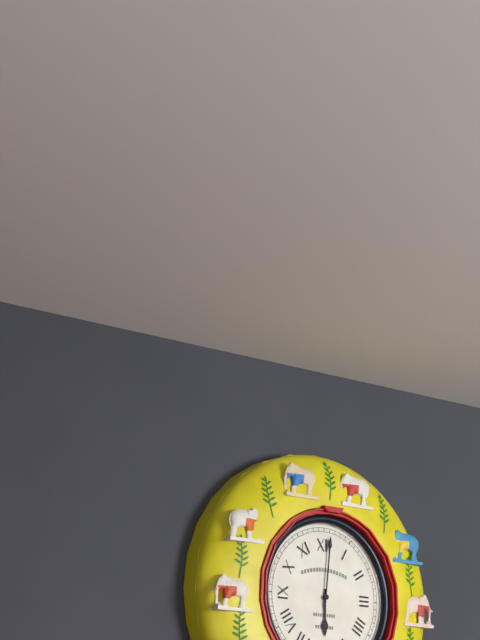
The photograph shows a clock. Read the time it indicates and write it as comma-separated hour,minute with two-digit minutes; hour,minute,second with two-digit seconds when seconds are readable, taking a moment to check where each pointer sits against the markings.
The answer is 6,01
